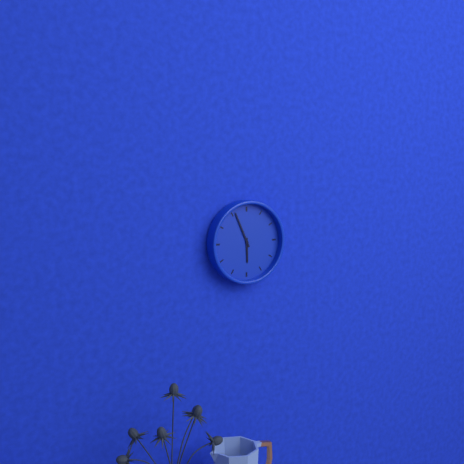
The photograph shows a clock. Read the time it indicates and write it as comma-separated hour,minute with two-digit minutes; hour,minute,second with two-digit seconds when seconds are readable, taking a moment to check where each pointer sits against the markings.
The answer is 5,56
